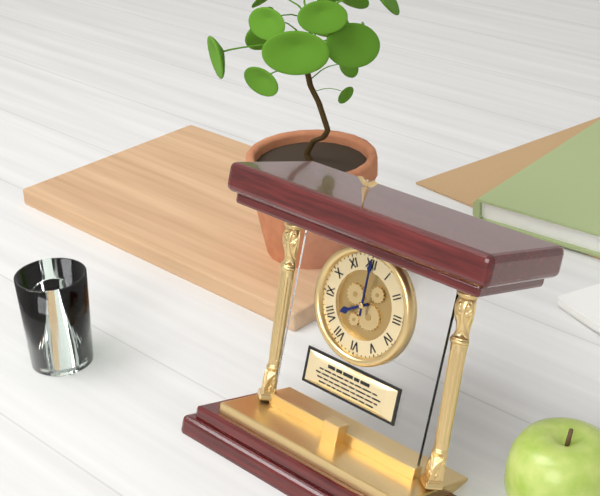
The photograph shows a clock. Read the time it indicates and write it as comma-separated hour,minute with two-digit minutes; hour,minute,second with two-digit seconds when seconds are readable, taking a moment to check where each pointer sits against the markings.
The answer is 8,00
